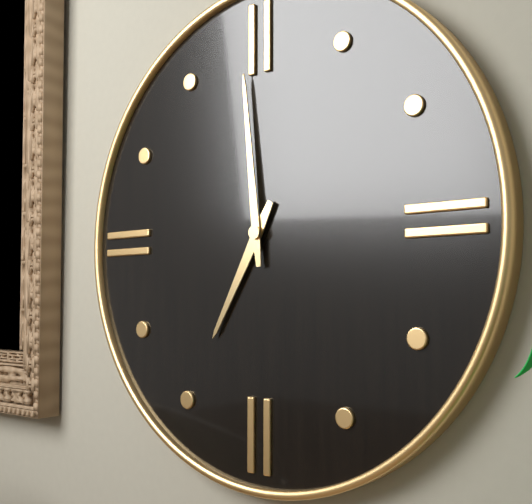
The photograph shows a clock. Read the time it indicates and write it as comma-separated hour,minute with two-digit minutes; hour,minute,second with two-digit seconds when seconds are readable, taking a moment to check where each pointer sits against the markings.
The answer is 6,59
